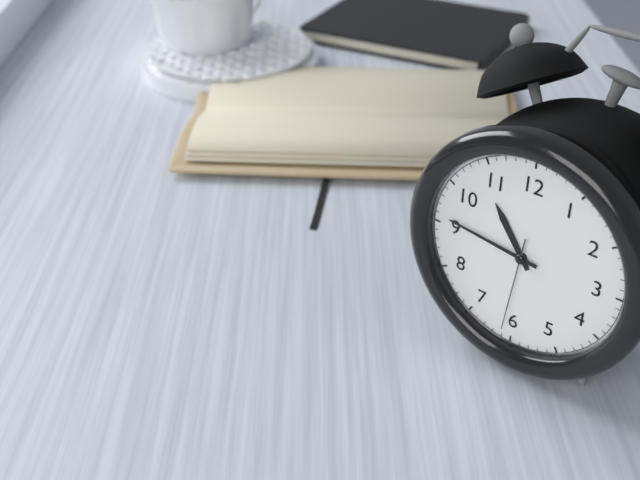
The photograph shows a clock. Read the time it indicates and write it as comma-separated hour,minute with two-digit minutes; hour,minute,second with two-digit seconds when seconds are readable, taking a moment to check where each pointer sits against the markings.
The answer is 10,46,31
